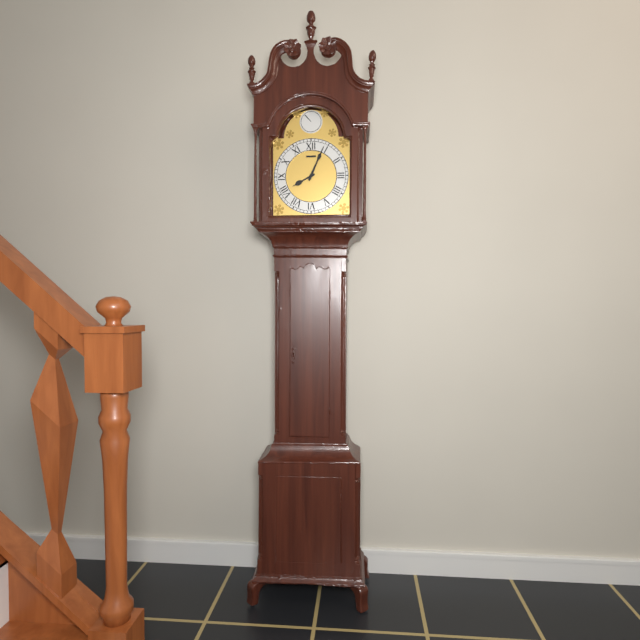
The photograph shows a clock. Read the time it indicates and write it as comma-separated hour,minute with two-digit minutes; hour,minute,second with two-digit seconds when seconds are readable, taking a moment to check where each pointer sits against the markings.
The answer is 8,04
